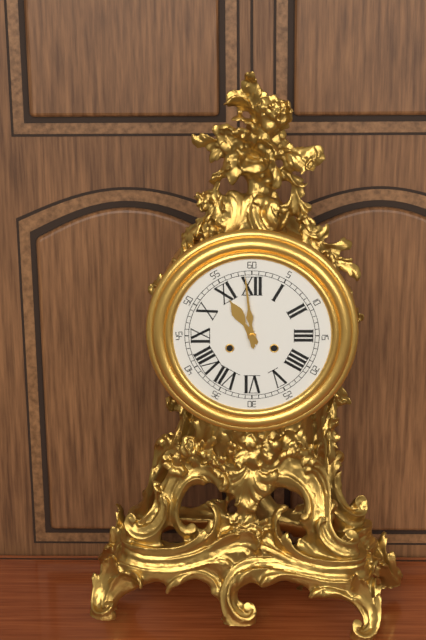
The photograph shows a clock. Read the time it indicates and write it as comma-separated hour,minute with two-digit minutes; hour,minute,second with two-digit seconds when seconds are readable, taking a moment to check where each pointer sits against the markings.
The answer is 10,59
